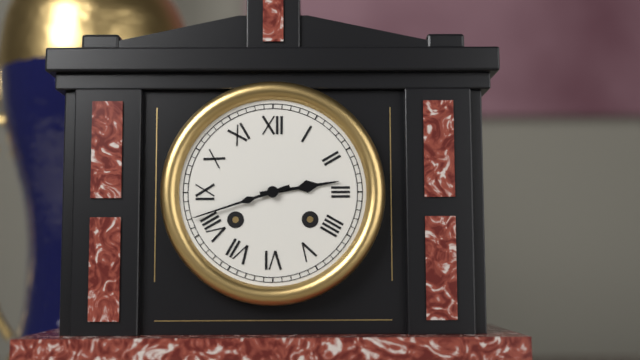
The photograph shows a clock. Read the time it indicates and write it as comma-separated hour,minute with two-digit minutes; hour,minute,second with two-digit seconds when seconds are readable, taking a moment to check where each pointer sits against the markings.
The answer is 2,42
